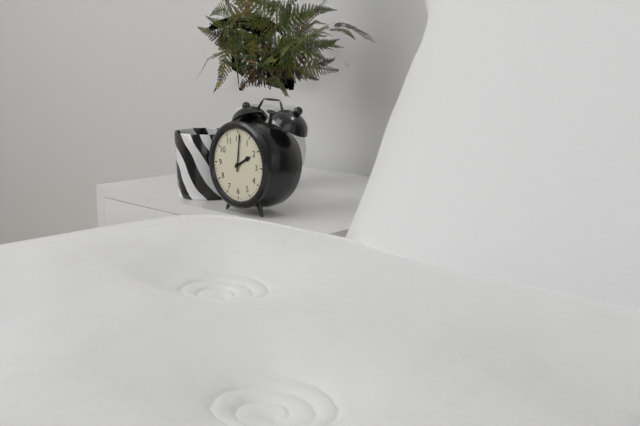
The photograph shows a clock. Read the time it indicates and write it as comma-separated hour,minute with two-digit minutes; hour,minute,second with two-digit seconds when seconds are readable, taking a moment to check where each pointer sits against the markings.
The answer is 2,01
